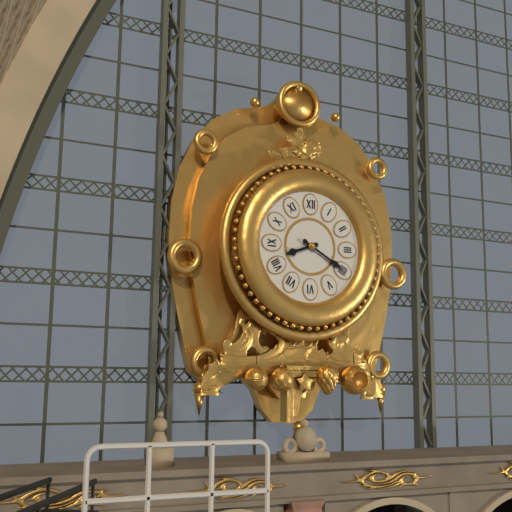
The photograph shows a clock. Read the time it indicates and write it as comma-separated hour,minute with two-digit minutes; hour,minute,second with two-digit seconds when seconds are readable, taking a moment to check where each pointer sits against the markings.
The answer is 8,20
